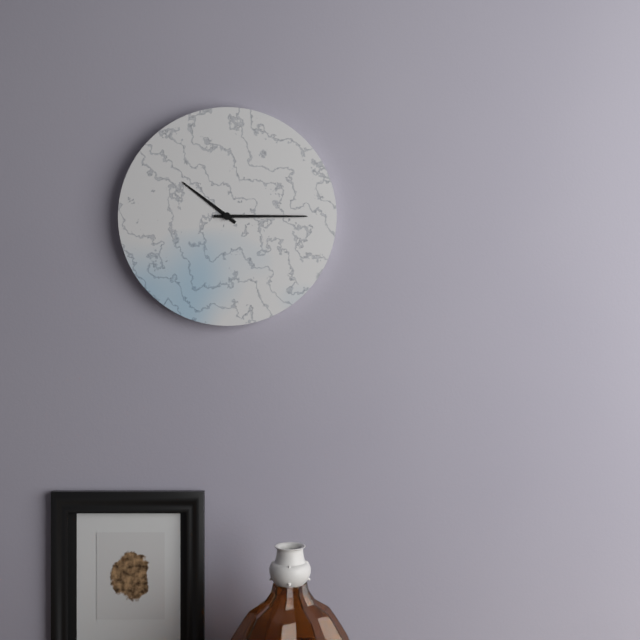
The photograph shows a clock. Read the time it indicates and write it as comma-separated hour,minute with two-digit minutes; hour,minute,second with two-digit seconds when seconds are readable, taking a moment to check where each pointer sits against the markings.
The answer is 10,15
